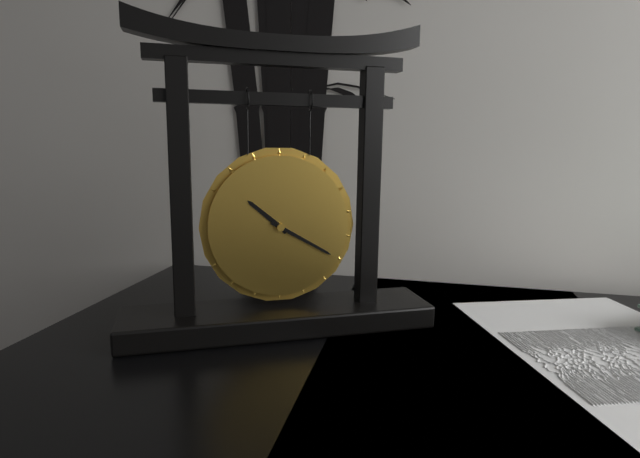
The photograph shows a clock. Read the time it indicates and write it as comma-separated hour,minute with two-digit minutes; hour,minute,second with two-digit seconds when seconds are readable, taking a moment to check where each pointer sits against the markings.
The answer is 10,20
